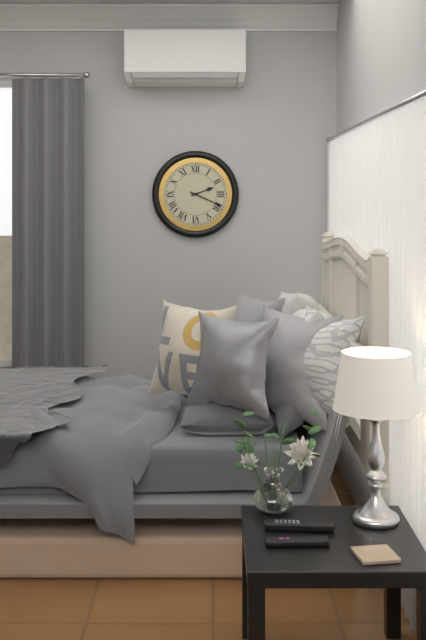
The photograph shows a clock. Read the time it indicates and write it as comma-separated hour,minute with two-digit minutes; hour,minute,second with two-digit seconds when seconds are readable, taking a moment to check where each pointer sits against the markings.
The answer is 2,19
